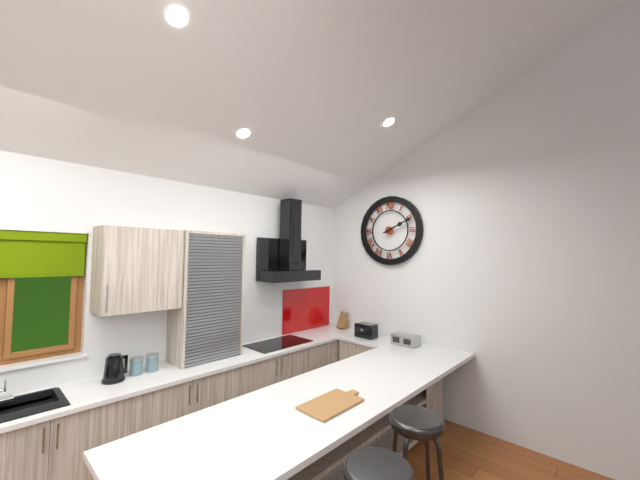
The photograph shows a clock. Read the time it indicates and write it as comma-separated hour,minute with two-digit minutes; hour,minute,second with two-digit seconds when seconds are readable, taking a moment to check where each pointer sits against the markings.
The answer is 2,11
